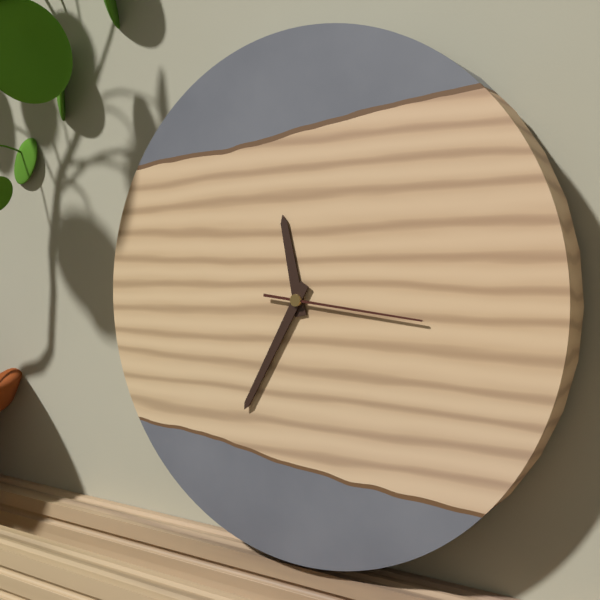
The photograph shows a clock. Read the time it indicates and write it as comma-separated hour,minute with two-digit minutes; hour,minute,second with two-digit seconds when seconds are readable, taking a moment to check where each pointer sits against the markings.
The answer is 11,35,16
